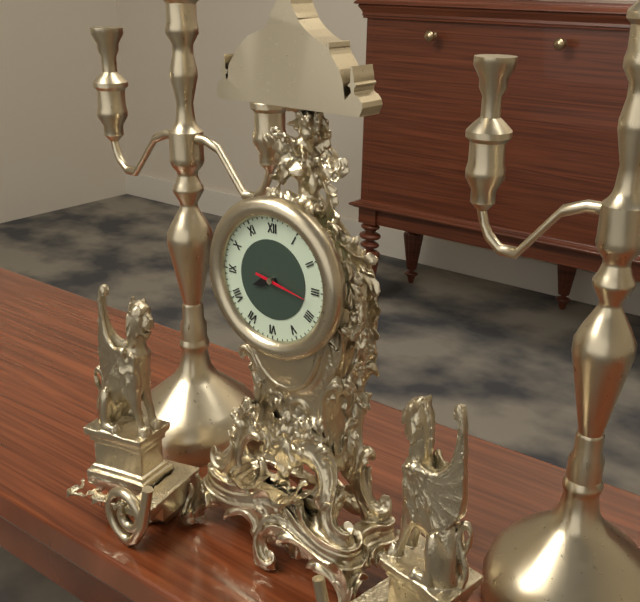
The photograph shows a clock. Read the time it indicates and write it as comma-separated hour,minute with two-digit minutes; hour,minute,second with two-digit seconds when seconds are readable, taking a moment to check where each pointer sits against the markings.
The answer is 8,17
